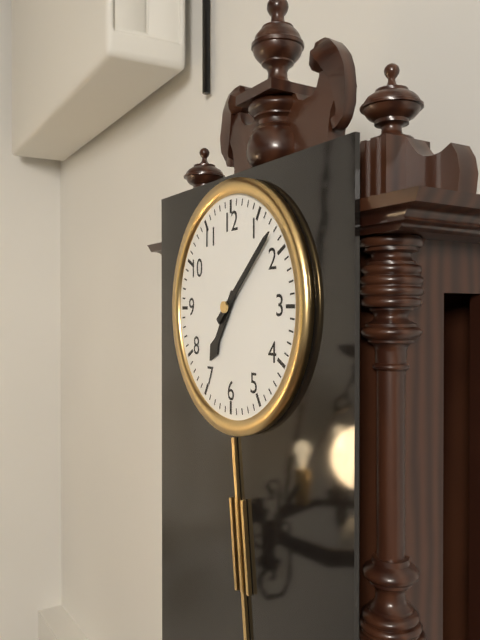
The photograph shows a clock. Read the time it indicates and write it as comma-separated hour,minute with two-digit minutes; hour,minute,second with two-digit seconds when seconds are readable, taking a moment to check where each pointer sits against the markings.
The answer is 7,08
